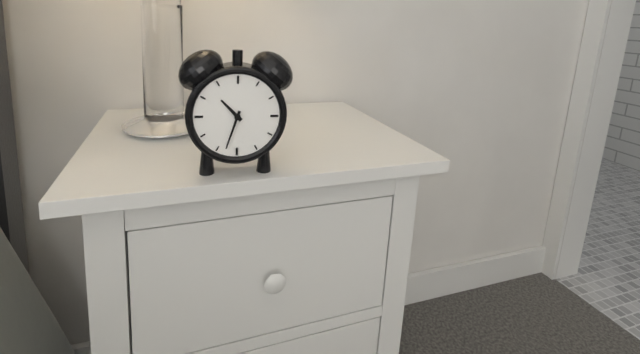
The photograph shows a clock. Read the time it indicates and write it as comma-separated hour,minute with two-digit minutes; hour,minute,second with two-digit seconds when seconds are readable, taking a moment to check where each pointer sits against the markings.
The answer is 10,33
